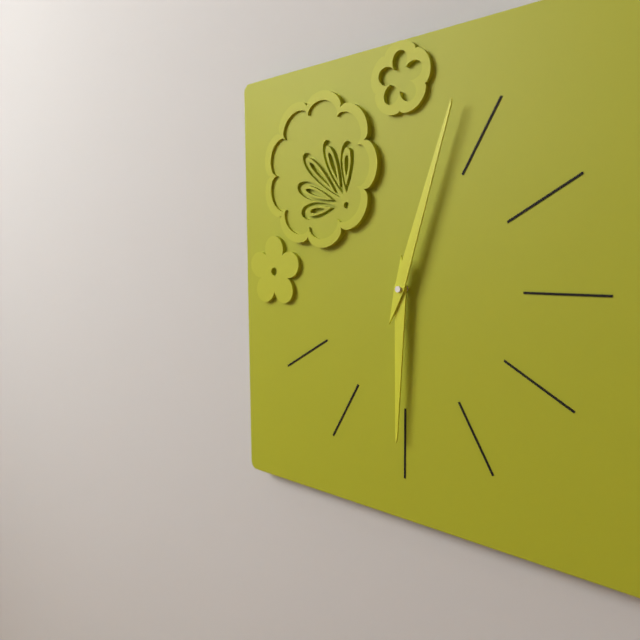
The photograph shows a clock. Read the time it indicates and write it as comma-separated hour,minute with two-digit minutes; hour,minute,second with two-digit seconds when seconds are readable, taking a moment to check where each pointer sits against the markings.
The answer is 6,03
